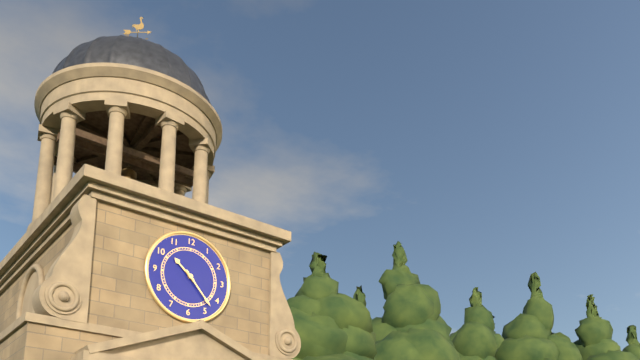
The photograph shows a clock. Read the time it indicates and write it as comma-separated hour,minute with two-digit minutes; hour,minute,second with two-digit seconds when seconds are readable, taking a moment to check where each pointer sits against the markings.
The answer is 10,23
